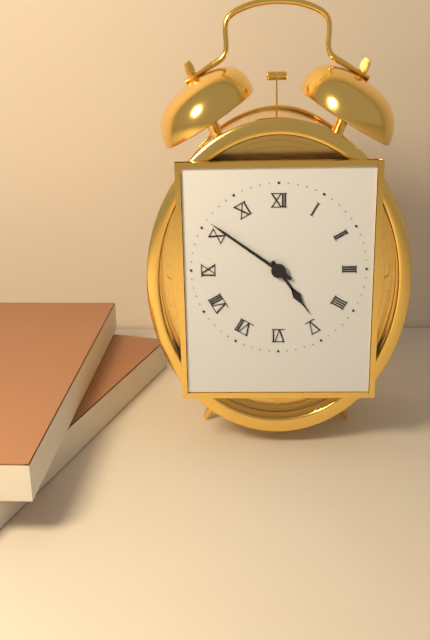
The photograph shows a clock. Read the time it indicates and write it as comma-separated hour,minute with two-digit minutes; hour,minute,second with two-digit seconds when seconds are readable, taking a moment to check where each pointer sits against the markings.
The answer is 4,51
